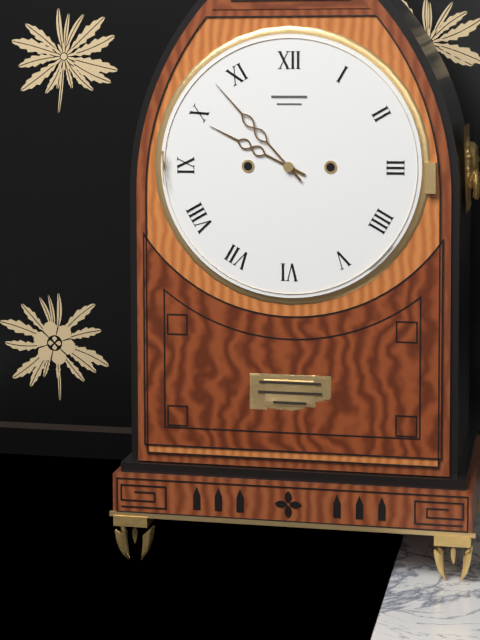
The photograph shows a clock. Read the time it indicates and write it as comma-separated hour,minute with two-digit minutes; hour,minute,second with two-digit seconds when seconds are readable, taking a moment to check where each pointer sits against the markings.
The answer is 9,53
